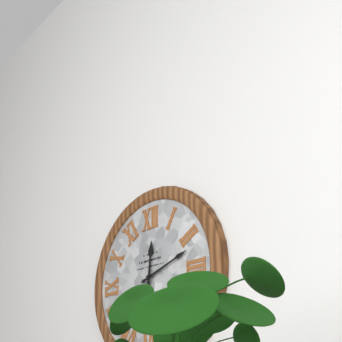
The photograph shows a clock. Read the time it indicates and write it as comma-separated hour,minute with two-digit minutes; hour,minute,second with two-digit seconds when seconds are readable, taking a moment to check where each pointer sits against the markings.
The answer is 12,12
